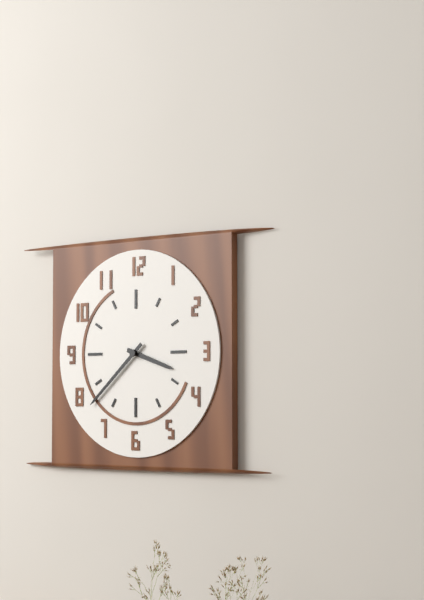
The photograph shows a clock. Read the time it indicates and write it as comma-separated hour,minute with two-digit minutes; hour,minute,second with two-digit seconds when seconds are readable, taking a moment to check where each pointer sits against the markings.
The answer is 3,38
